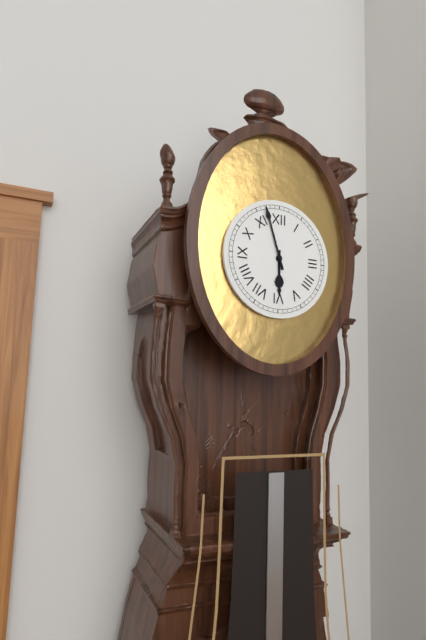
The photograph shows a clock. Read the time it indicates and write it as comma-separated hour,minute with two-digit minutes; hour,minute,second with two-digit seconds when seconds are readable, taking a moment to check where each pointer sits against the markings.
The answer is 5,57
